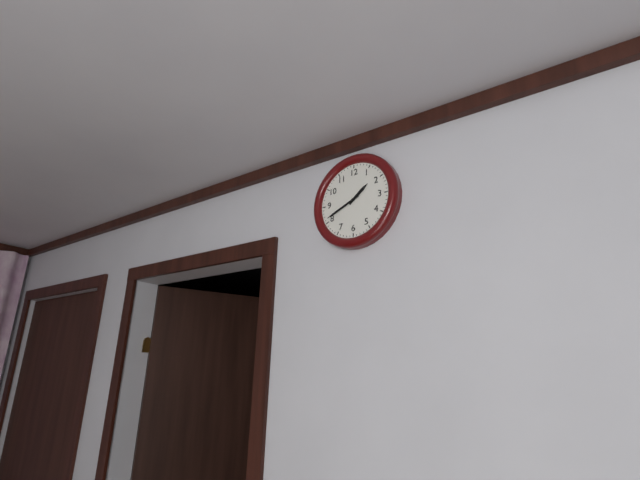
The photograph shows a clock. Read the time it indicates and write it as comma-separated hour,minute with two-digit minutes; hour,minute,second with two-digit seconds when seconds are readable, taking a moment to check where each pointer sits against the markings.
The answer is 1,41
